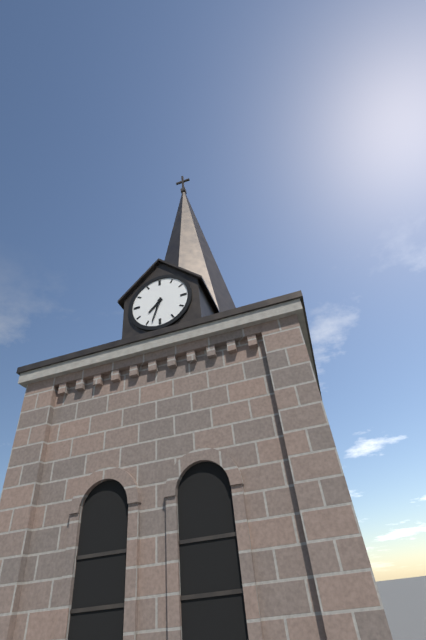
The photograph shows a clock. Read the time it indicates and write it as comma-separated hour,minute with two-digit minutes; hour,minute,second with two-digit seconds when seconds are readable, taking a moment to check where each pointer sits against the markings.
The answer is 7,33
